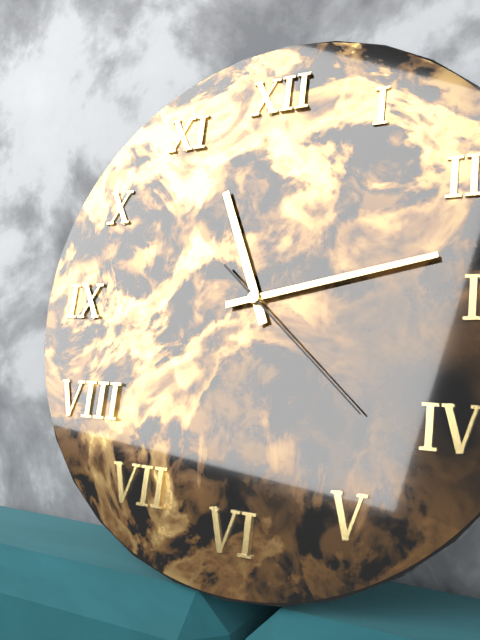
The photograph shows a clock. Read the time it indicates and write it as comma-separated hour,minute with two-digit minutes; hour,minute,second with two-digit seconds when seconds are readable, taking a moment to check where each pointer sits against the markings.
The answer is 11,13,22
